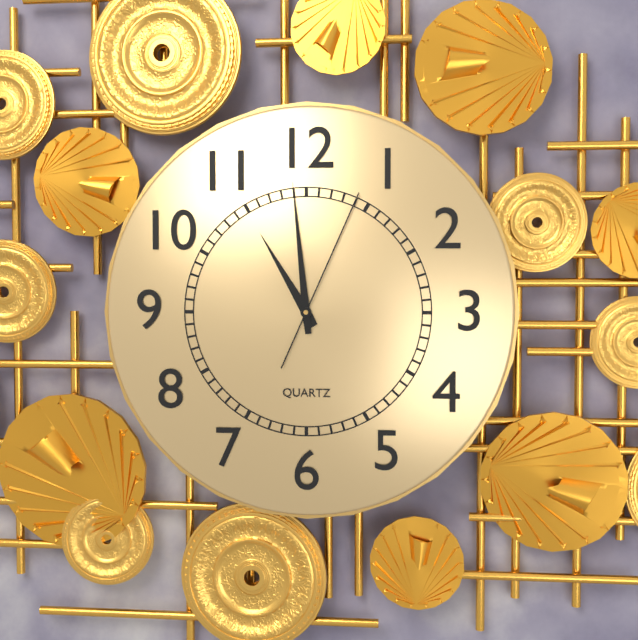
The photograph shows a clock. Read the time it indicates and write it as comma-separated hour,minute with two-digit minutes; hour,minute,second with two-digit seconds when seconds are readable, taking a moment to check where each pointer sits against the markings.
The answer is 10,59,04
